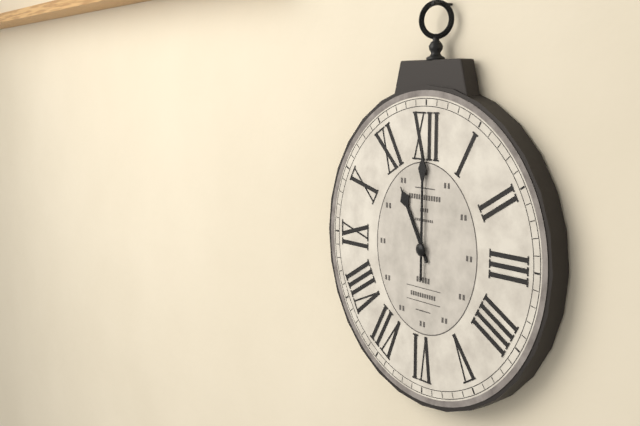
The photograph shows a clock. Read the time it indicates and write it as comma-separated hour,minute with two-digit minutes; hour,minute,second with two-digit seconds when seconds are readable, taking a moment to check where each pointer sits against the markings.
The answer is 11,00
